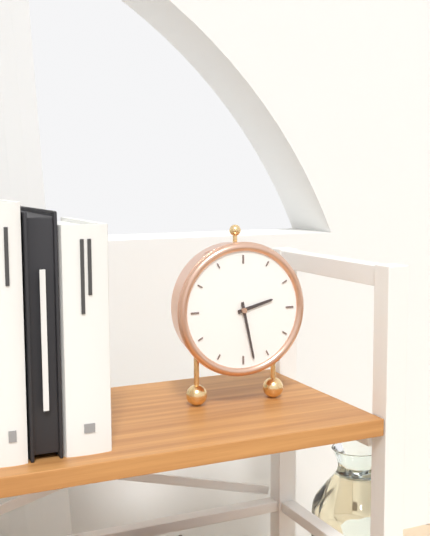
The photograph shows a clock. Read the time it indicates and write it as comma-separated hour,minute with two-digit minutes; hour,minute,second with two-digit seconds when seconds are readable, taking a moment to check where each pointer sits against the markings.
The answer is 2,28
